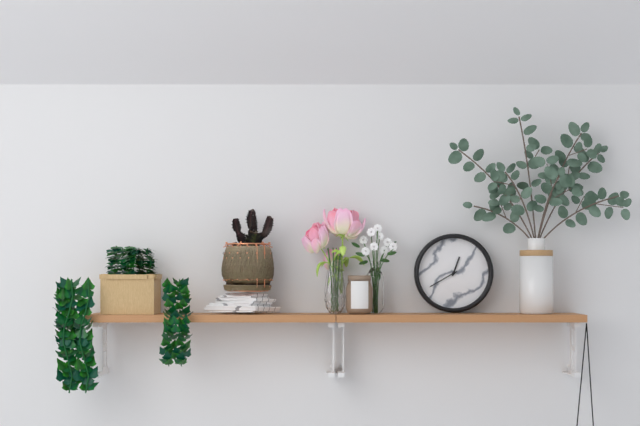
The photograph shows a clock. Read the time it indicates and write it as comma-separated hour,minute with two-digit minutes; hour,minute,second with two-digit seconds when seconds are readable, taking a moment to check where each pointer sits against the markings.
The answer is 12,40
